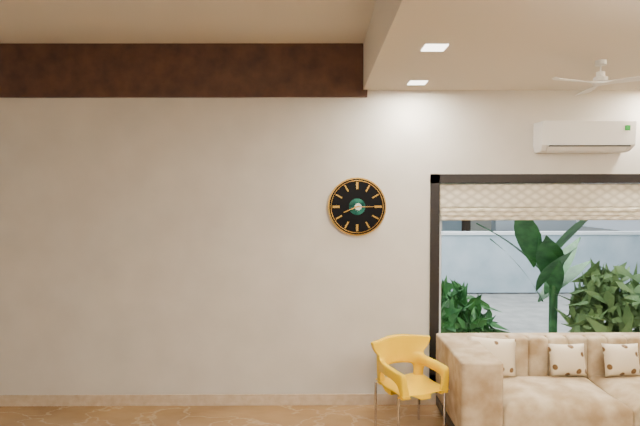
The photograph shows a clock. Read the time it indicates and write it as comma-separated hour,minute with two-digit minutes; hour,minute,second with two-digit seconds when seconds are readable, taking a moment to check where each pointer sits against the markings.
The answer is 8,15
